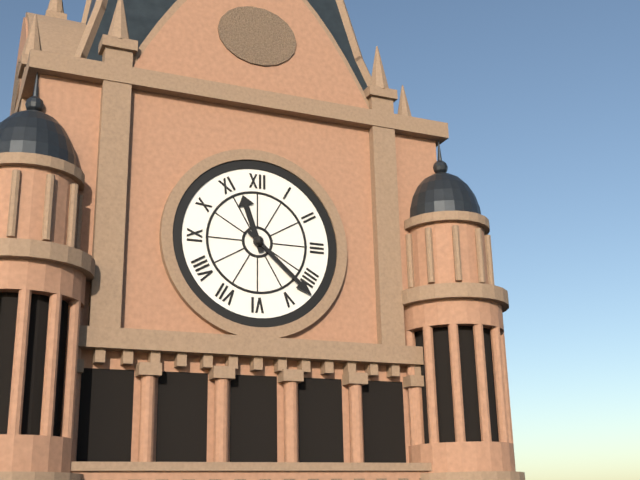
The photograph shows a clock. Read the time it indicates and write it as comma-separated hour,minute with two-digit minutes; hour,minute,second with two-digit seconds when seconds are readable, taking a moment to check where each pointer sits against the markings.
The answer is 11,22
